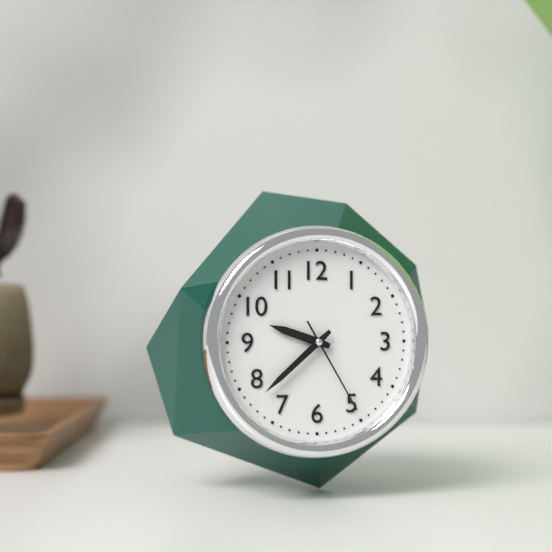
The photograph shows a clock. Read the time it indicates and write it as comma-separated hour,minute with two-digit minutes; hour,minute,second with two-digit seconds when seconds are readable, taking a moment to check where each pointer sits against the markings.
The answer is 9,38,25
